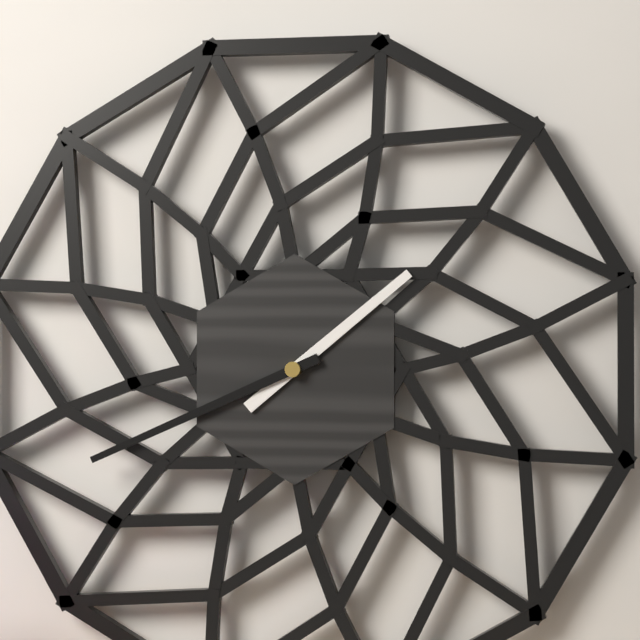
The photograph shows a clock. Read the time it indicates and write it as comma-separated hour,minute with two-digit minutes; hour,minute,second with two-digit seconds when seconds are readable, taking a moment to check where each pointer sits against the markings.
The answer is 1,41
